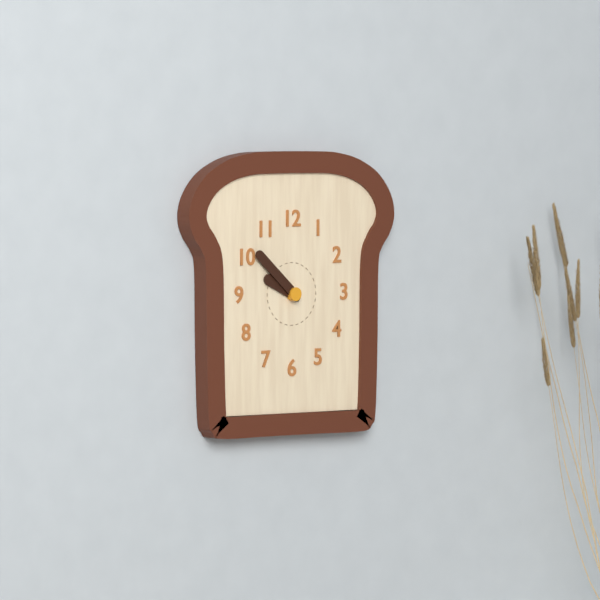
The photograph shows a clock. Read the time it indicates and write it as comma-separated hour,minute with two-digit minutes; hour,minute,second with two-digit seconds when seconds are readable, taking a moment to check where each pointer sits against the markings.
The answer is 9,52
